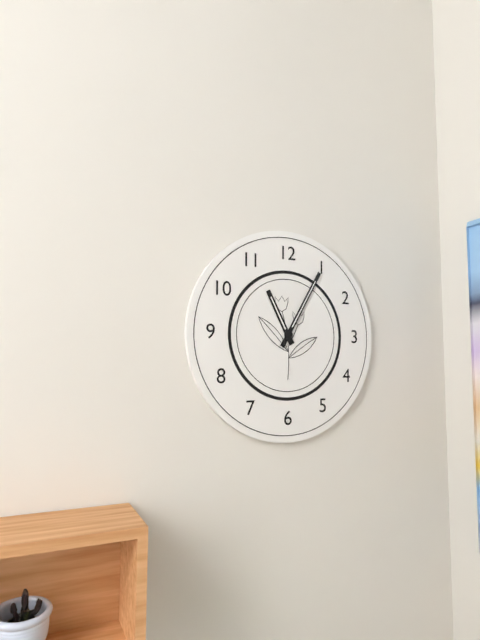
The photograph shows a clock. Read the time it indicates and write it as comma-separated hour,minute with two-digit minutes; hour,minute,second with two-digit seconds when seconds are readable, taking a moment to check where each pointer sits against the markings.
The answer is 11,05
